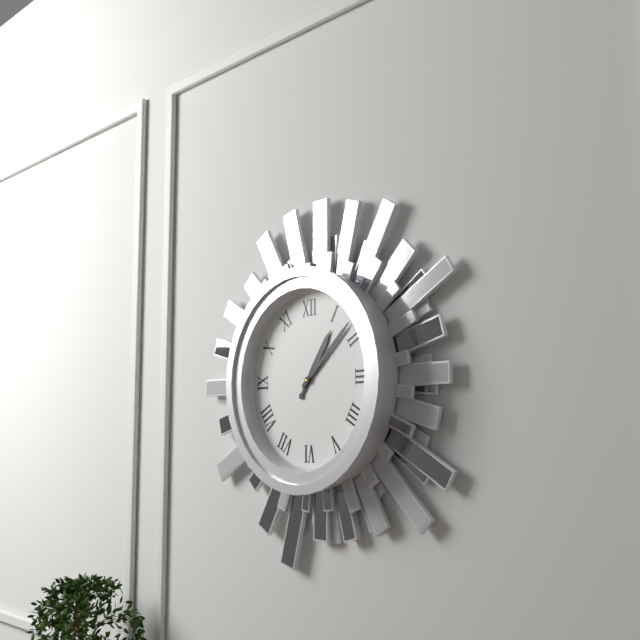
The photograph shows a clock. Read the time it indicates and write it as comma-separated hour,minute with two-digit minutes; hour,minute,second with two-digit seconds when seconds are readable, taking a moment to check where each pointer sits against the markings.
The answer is 1,08
